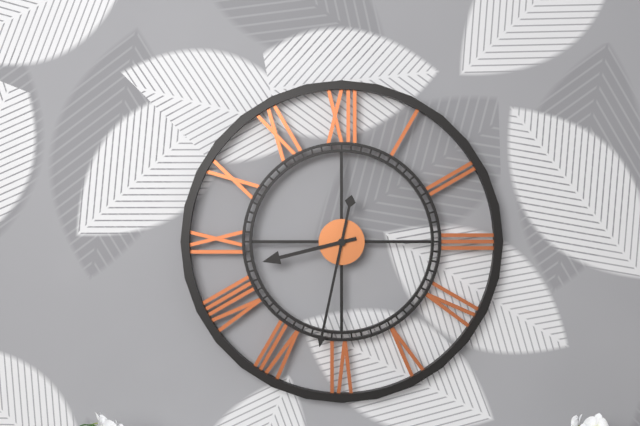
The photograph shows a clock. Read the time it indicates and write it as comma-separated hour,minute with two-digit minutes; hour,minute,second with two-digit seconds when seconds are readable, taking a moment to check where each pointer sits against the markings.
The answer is 8,32
